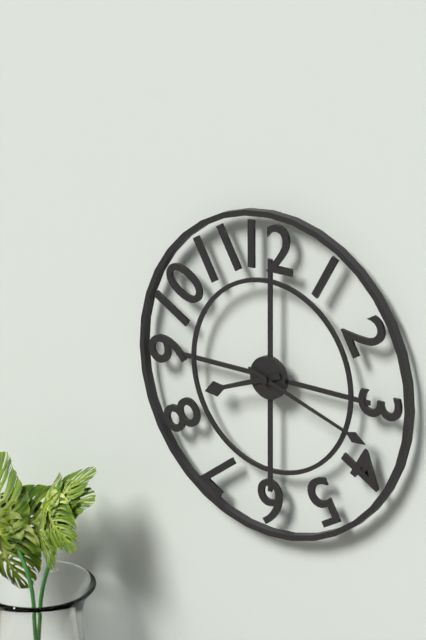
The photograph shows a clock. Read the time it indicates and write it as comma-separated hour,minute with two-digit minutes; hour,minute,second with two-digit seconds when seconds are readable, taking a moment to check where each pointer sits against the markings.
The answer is 8,18
